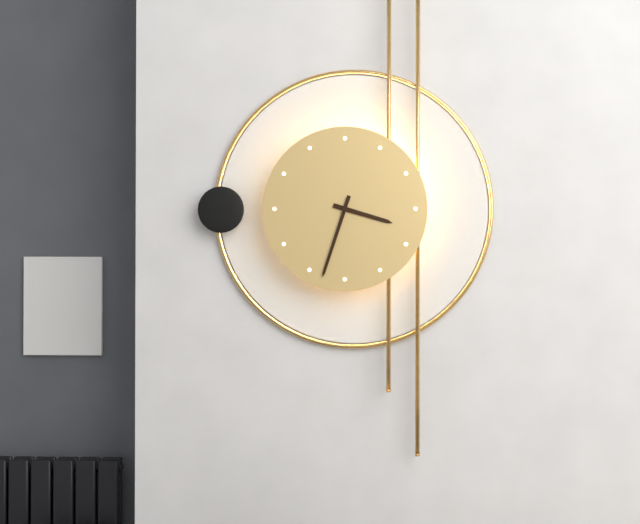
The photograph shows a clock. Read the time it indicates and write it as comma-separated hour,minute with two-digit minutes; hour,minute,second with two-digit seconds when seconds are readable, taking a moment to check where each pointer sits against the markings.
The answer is 3,33
